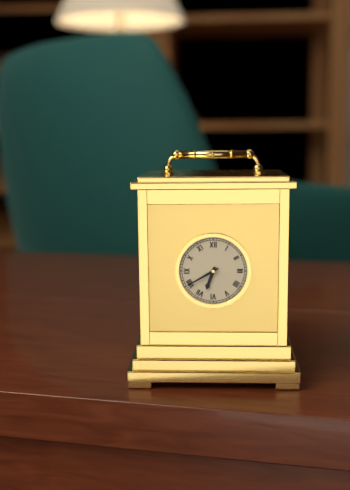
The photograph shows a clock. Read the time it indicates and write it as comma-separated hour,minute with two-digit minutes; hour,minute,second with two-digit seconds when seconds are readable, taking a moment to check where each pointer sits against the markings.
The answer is 6,40
